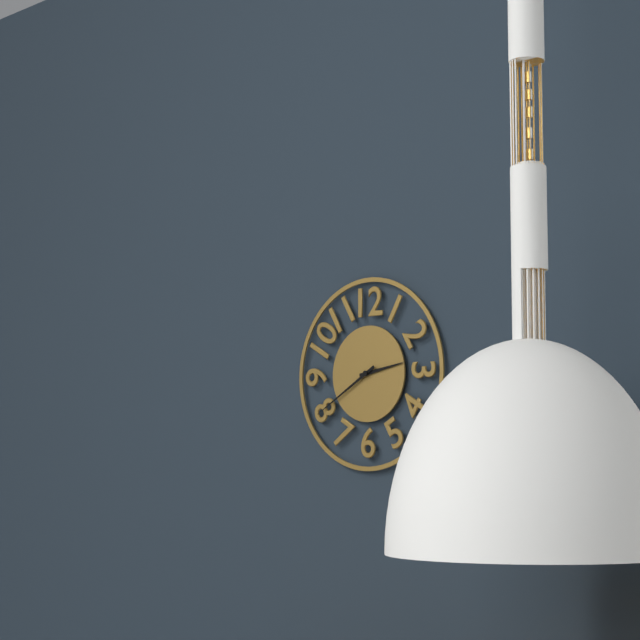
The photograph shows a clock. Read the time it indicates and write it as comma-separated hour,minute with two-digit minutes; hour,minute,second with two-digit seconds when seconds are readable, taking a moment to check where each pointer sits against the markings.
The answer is 2,40
